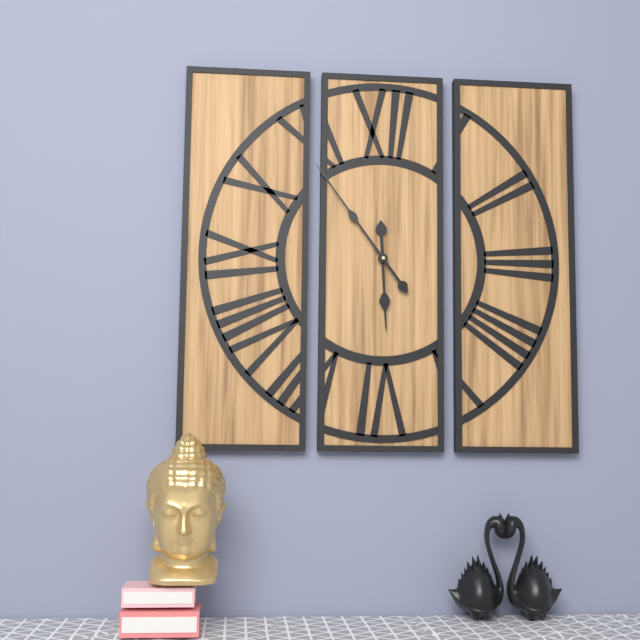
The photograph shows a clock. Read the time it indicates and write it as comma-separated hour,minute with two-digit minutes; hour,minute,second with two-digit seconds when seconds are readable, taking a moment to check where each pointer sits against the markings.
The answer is 5,54
